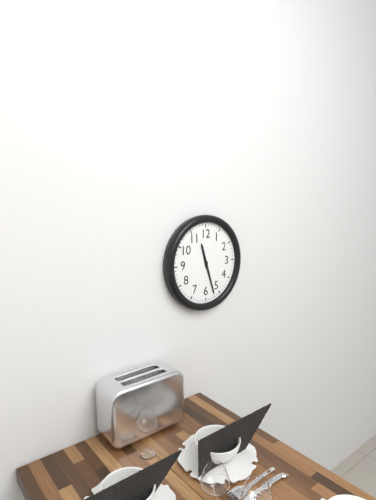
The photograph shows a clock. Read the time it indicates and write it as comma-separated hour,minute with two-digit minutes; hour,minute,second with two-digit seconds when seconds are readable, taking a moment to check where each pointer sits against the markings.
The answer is 11,27
